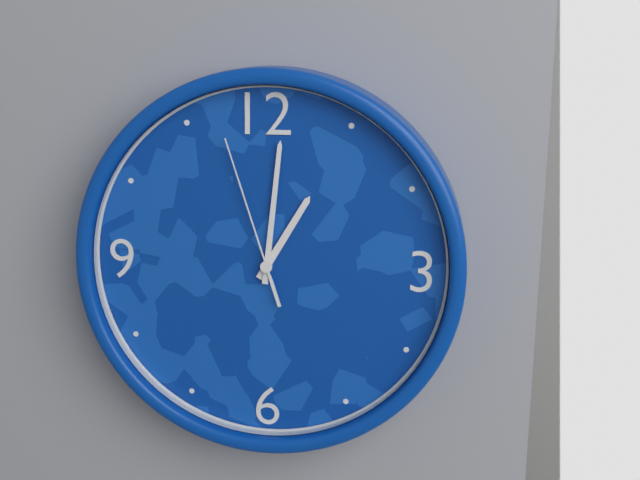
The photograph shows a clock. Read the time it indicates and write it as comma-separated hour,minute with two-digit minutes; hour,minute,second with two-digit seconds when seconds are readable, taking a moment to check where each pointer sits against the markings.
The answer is 1,01,57
